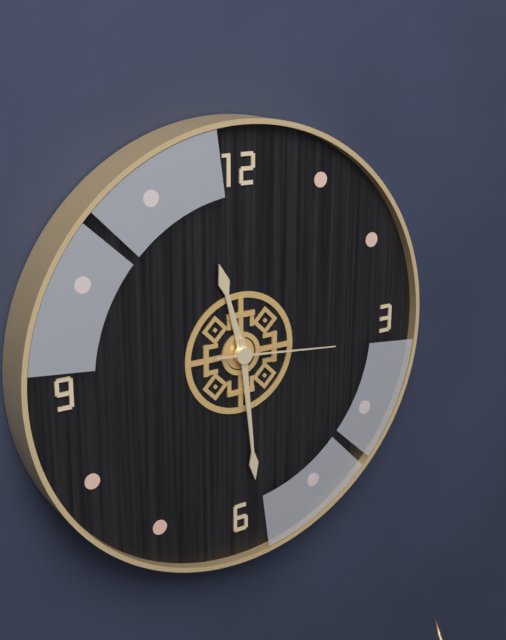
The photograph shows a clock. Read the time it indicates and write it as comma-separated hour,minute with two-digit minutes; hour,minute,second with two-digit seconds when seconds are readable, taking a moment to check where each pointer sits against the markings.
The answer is 11,29,16
